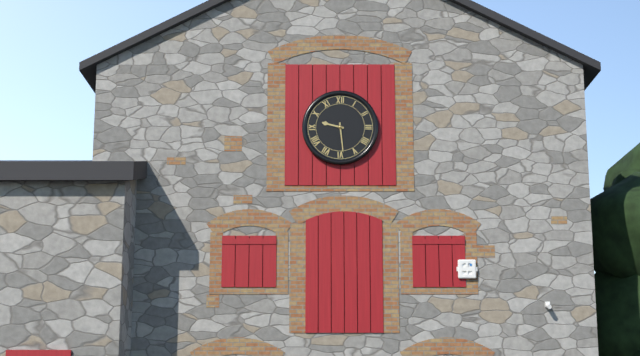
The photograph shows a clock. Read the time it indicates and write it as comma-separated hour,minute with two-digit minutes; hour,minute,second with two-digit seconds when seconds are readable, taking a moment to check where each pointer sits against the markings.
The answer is 9,29
